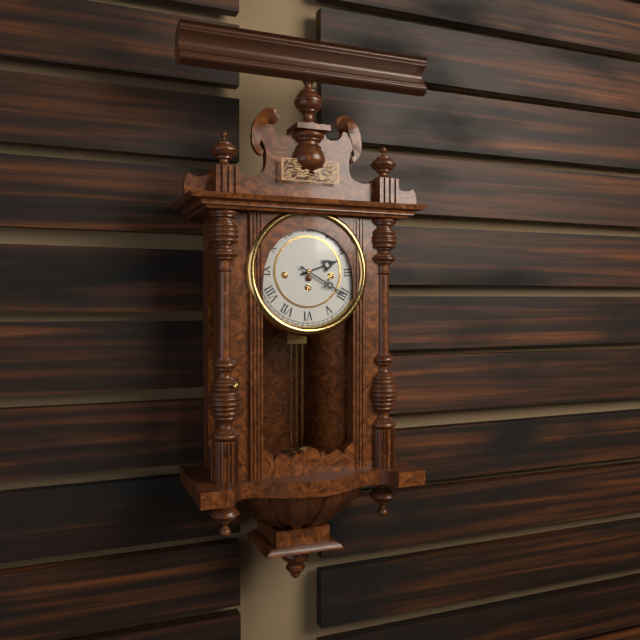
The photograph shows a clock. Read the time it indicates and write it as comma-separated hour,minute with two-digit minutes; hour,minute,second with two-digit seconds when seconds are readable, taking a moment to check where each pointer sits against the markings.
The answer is 2,20
